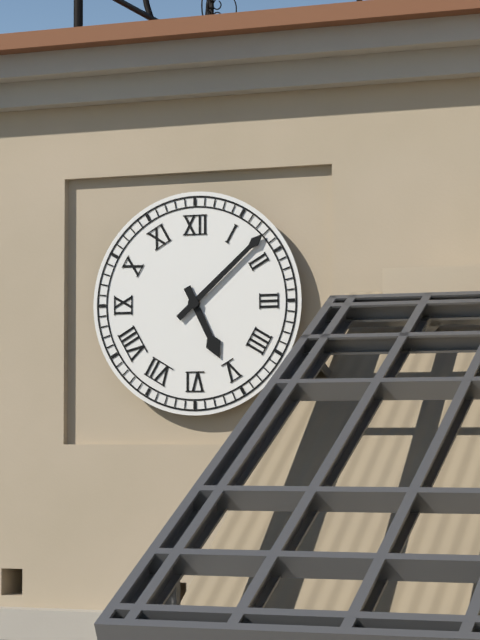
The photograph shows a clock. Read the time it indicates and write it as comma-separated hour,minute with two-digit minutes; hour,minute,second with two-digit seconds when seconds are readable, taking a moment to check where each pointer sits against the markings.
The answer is 5,08
